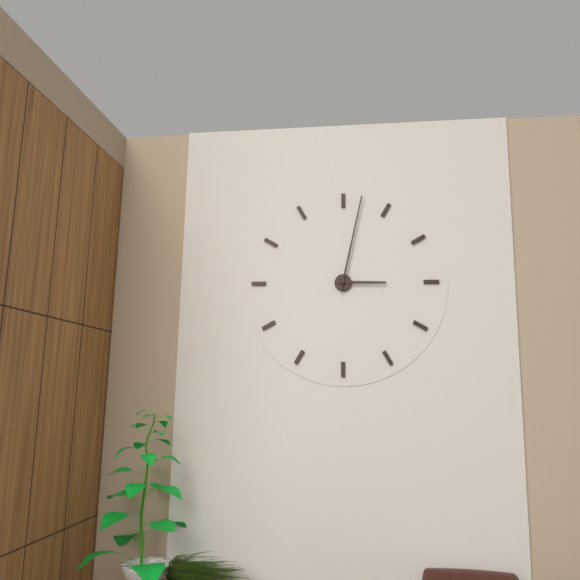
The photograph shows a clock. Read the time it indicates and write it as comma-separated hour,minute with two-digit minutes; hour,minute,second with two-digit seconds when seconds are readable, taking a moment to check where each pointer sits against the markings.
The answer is 3,02
